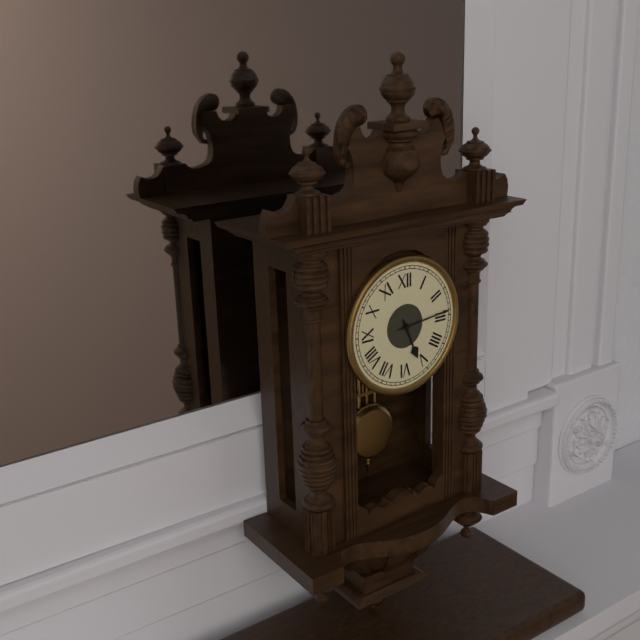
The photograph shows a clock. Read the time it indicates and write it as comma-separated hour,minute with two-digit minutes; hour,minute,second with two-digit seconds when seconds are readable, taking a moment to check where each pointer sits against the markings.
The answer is 5,14
